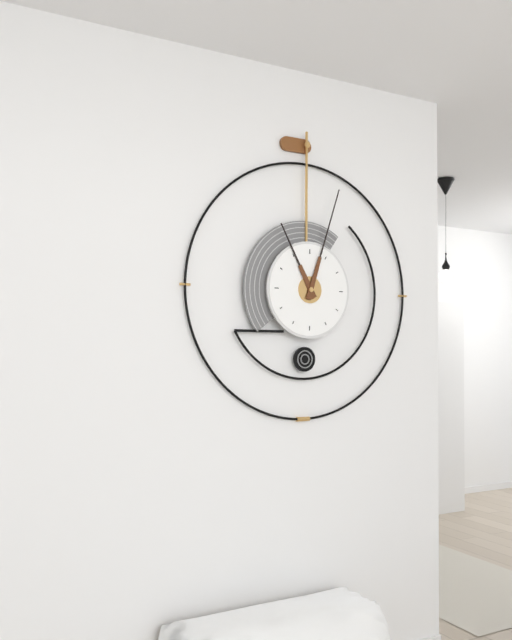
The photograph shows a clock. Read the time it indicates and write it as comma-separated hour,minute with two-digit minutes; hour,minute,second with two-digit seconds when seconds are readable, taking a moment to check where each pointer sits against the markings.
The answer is 11,03
